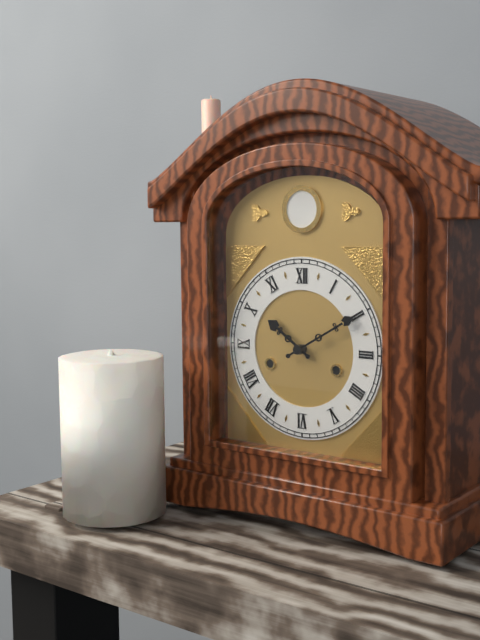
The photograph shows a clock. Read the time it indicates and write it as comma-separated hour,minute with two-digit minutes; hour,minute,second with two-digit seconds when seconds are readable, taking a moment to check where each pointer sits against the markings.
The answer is 10,10
